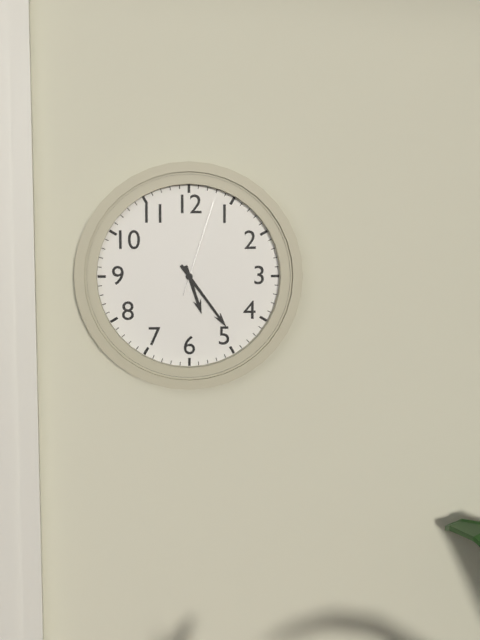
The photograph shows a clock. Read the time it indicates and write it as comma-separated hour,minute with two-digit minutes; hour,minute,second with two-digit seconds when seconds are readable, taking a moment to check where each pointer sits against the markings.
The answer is 5,24,03
